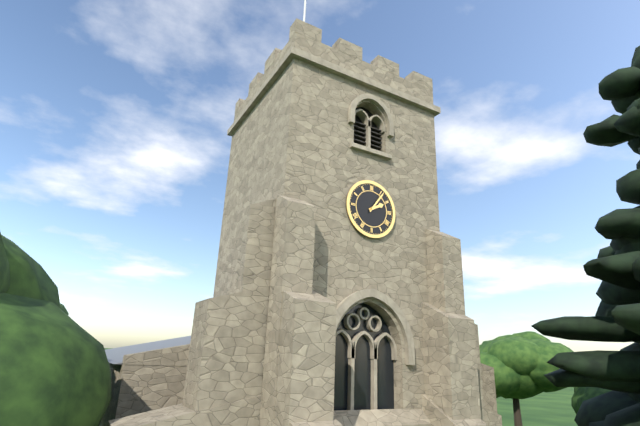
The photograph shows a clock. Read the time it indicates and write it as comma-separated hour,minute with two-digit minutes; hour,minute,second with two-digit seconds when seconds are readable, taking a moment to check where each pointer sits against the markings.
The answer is 2,06
